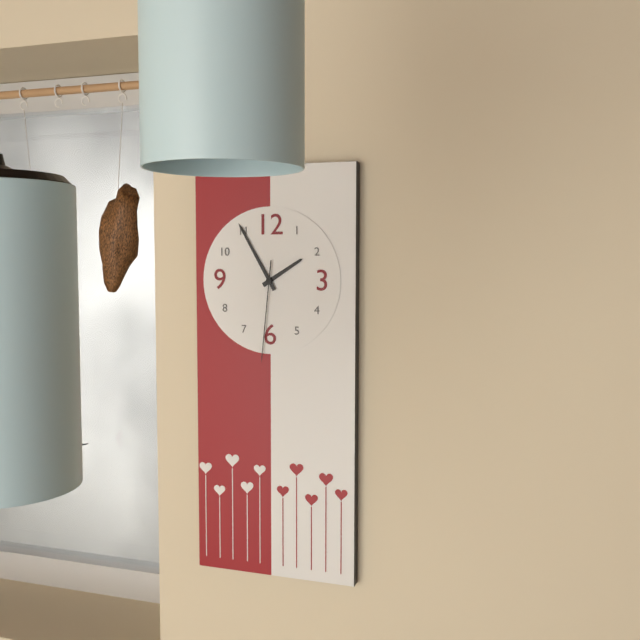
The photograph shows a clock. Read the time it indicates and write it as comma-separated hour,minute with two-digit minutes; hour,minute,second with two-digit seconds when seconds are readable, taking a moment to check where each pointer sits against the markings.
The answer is 1,55,31
